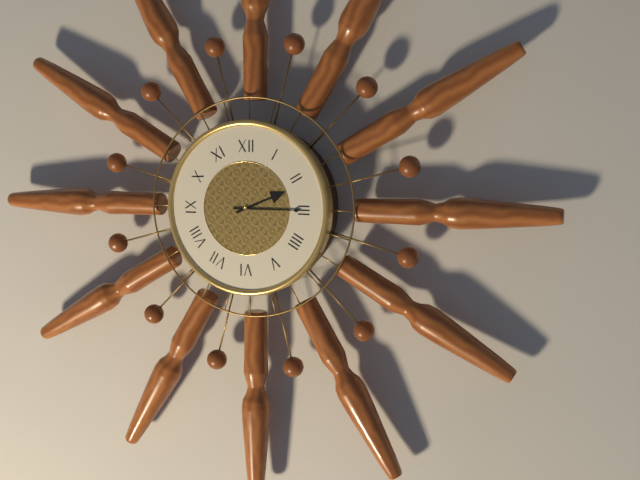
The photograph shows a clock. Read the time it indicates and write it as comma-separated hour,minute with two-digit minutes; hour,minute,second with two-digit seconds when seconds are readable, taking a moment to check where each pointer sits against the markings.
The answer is 2,15
